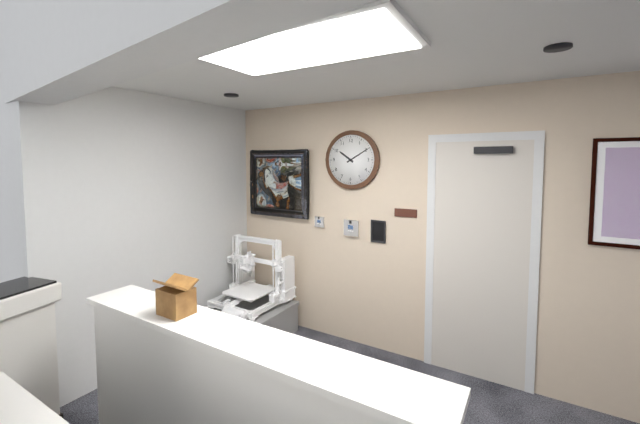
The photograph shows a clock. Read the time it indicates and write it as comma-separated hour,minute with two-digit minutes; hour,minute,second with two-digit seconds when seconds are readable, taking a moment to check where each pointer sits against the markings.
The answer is 10,10
